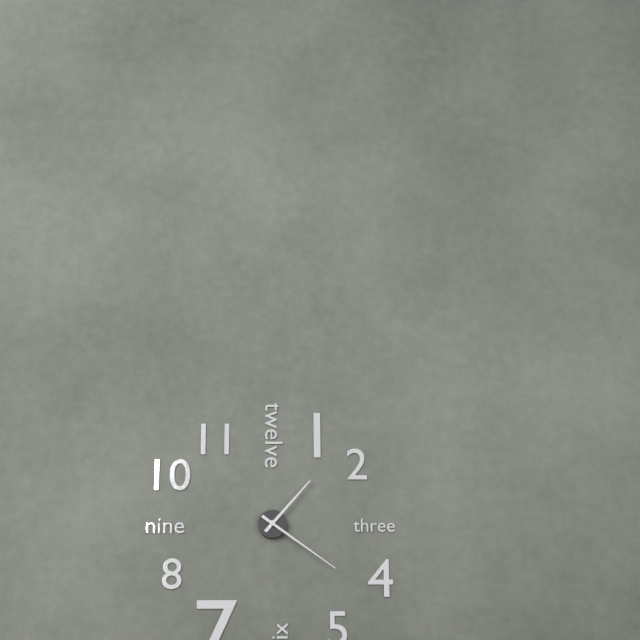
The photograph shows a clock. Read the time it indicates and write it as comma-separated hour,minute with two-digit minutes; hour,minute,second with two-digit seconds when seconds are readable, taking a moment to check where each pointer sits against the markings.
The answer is 1,21
